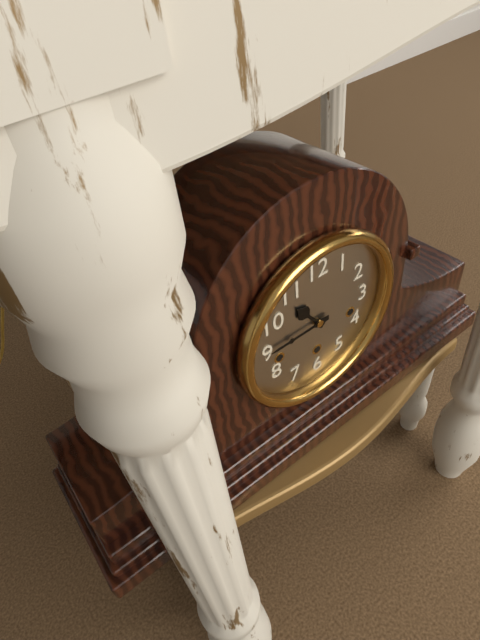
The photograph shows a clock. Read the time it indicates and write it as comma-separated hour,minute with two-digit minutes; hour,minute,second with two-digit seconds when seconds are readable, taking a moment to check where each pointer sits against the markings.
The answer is 10,45
